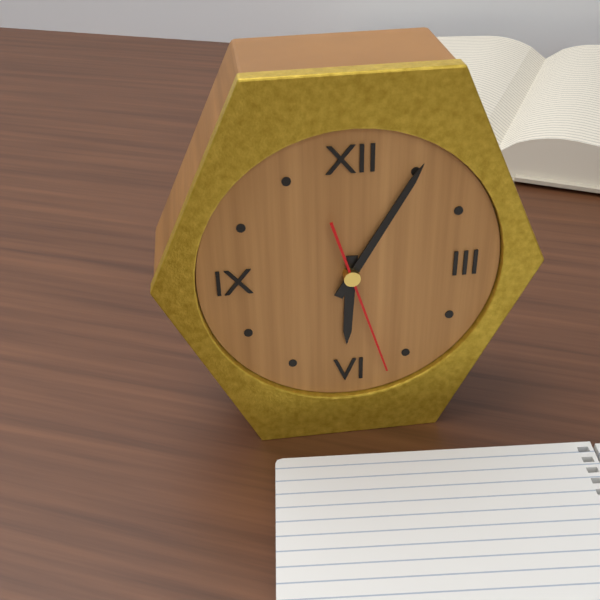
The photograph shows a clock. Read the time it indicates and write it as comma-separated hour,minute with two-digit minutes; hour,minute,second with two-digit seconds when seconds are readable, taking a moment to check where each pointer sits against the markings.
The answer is 6,05,27
